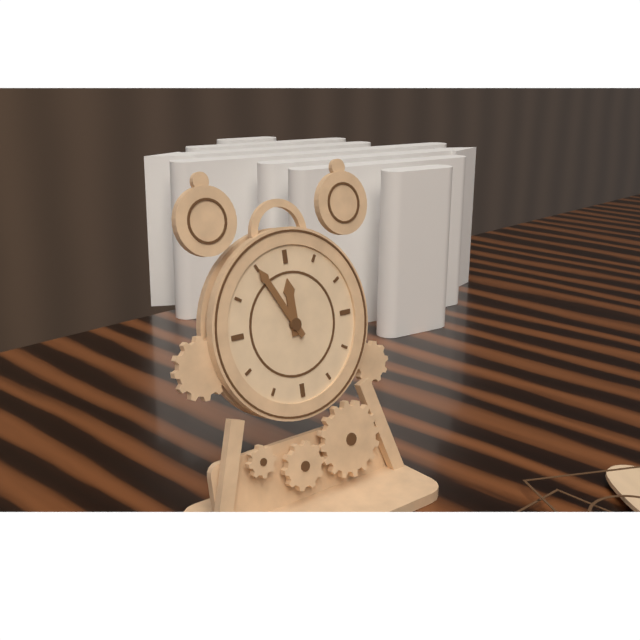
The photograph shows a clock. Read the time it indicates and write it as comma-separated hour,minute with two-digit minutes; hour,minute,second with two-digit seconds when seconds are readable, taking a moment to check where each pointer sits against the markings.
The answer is 11,55
